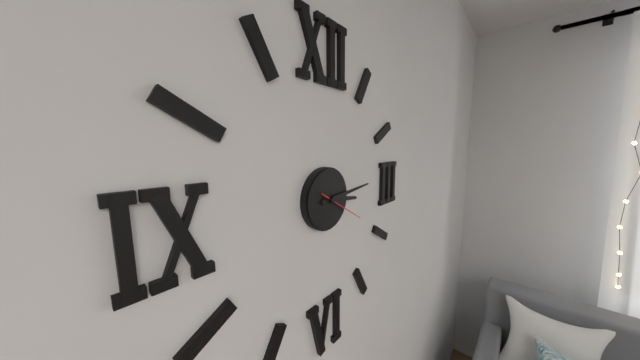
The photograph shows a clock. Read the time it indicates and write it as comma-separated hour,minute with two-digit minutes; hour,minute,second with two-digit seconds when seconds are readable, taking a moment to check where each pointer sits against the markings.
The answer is 3,14
